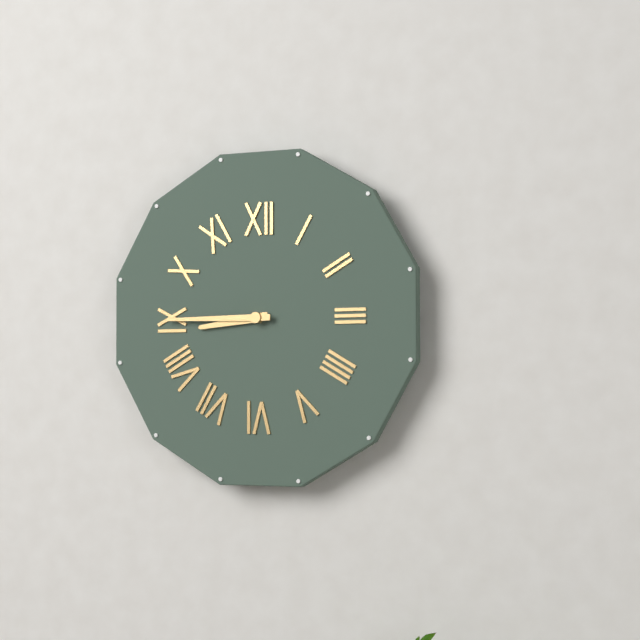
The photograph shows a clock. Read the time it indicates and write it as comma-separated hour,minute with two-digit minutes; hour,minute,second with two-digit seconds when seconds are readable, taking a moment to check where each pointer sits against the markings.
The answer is 8,45
